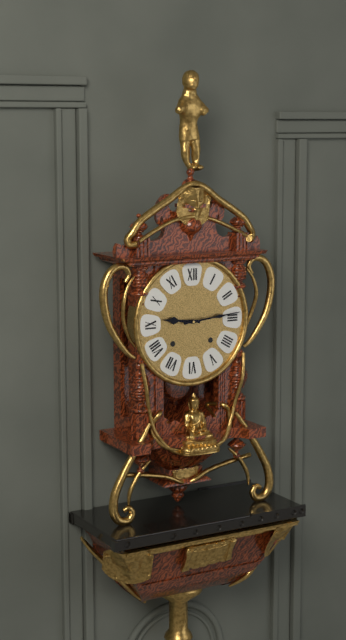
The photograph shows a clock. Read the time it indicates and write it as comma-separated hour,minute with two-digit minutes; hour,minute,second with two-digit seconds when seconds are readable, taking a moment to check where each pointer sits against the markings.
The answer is 9,14
